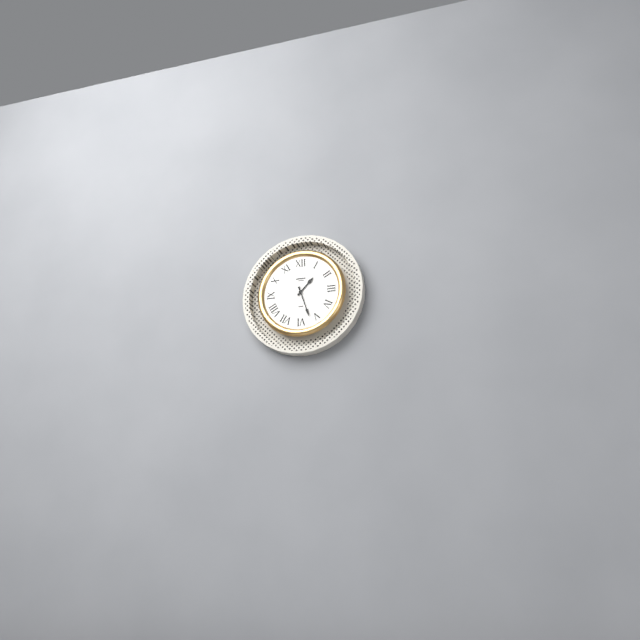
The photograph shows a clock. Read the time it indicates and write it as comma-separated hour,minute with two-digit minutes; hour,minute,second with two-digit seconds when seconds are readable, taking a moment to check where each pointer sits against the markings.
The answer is 1,27
